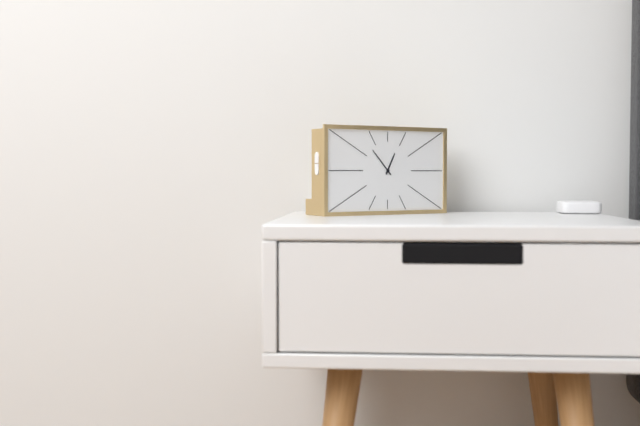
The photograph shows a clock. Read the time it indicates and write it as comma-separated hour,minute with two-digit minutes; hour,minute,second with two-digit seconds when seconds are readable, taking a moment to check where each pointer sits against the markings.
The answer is 12,53
